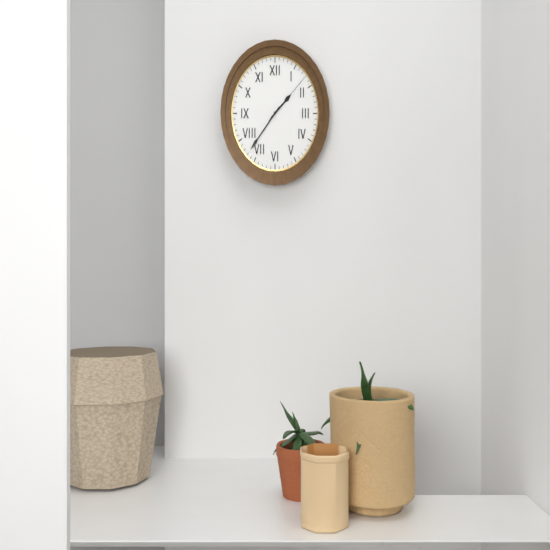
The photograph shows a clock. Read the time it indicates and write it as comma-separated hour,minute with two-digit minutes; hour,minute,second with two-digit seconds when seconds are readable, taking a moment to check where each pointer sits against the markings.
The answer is 1,37,08
